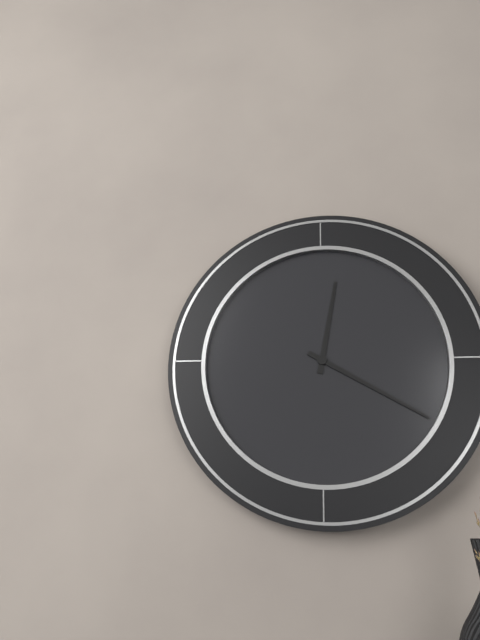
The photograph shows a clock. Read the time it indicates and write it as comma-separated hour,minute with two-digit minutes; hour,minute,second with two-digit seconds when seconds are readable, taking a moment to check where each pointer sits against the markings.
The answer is 12,20
